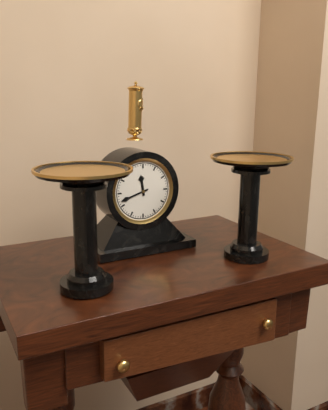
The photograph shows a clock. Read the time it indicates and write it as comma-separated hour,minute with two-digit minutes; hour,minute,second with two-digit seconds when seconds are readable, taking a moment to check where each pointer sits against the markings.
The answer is 11,42
